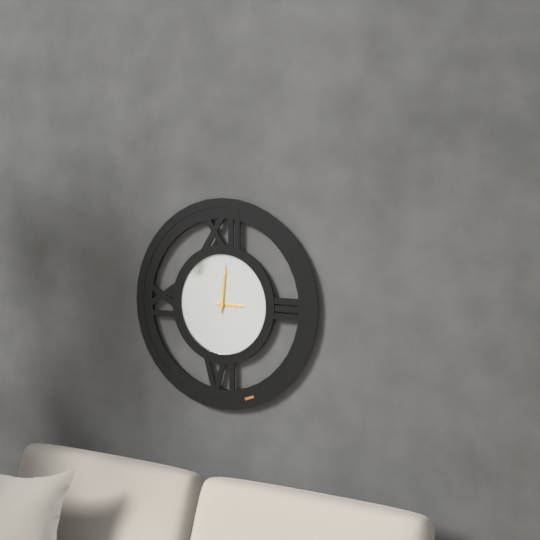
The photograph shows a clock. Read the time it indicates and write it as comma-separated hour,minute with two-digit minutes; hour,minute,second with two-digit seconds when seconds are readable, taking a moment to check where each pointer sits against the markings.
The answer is 3,01
